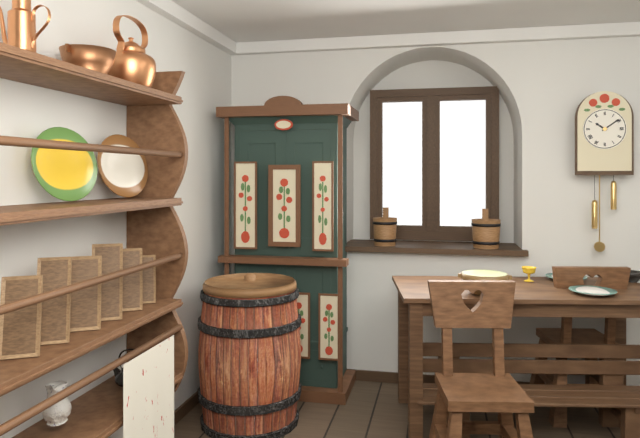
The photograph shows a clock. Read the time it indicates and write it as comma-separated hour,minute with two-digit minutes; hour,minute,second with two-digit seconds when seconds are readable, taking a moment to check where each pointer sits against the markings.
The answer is 10,09
